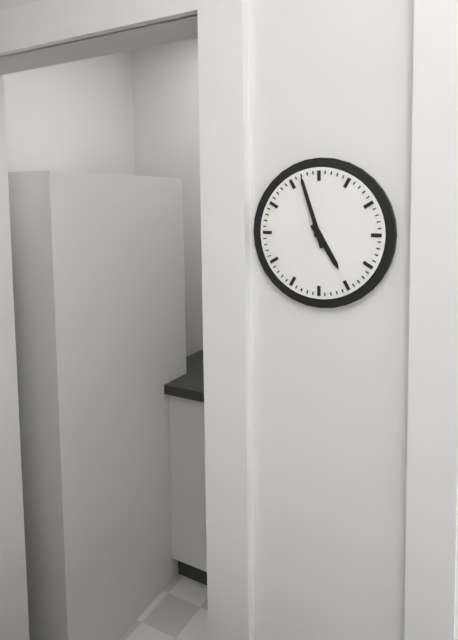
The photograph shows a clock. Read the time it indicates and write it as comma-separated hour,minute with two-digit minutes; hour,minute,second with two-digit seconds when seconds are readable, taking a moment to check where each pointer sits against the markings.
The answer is 4,57
